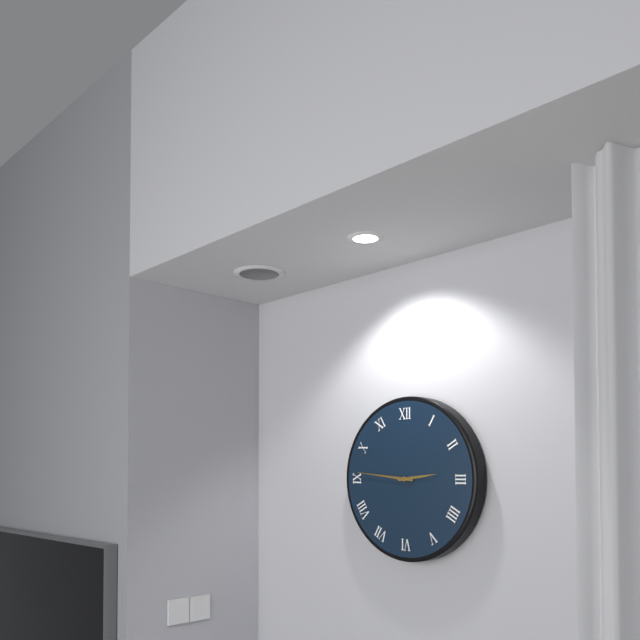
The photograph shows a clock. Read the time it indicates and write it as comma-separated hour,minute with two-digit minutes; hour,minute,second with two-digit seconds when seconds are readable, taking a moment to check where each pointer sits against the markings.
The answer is 2,46
